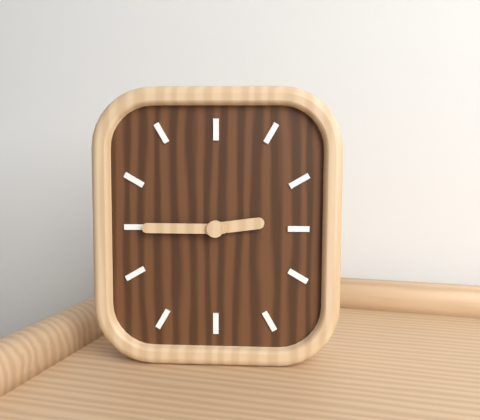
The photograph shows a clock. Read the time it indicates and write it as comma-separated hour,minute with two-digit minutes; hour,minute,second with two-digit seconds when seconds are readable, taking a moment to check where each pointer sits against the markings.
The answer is 2,45
